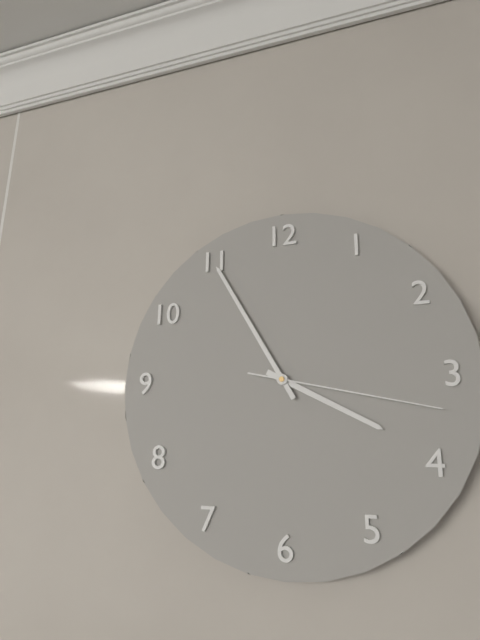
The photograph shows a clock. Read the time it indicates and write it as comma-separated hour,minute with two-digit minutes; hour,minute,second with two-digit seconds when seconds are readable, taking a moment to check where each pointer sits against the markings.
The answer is 3,55,17
